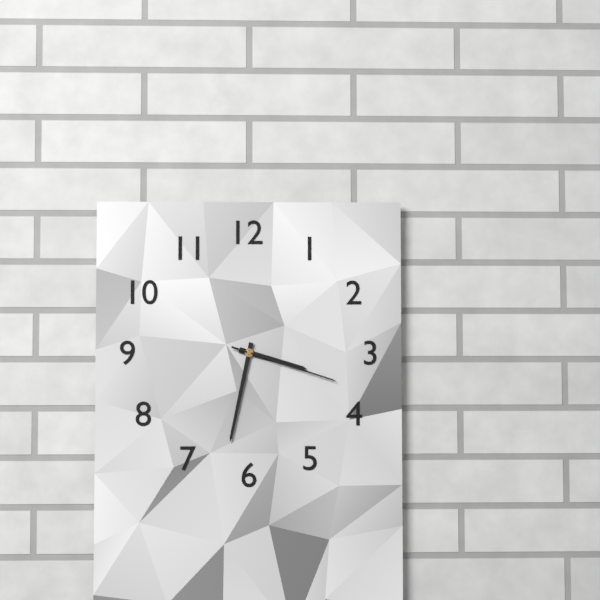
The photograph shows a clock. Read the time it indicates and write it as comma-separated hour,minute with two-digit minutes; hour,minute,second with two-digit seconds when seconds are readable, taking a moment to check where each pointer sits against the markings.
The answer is 3,32,18
